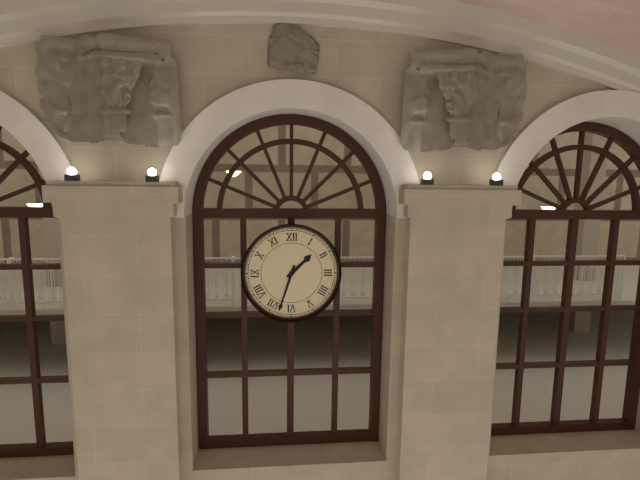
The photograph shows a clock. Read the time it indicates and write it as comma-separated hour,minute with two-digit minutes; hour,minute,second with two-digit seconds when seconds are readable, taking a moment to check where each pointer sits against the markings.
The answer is 1,33
